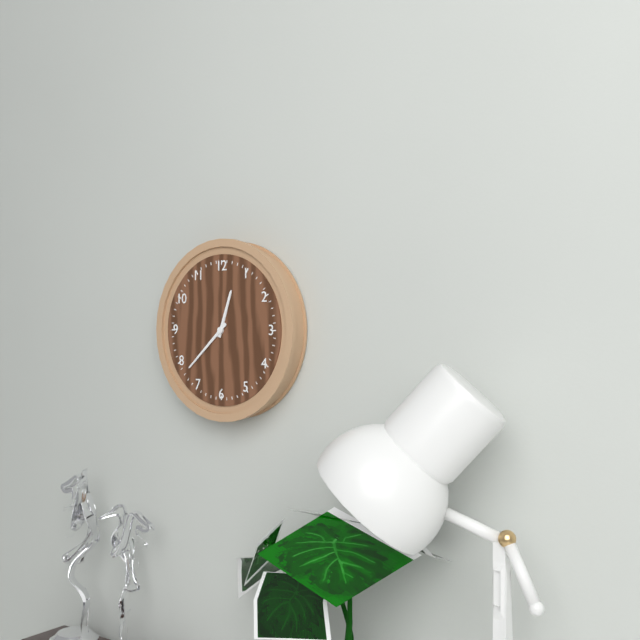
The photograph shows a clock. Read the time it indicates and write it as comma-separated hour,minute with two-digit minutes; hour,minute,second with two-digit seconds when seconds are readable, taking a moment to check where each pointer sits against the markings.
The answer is 12,38
